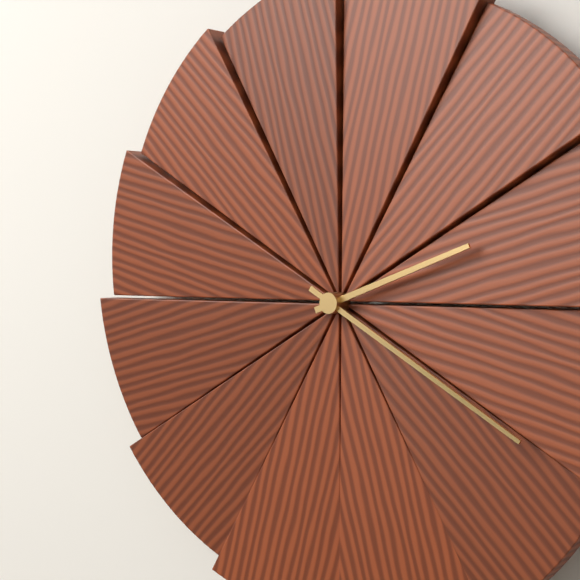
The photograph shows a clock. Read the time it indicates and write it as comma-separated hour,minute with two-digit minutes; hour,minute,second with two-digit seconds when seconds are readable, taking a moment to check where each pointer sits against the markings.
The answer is 2,20
